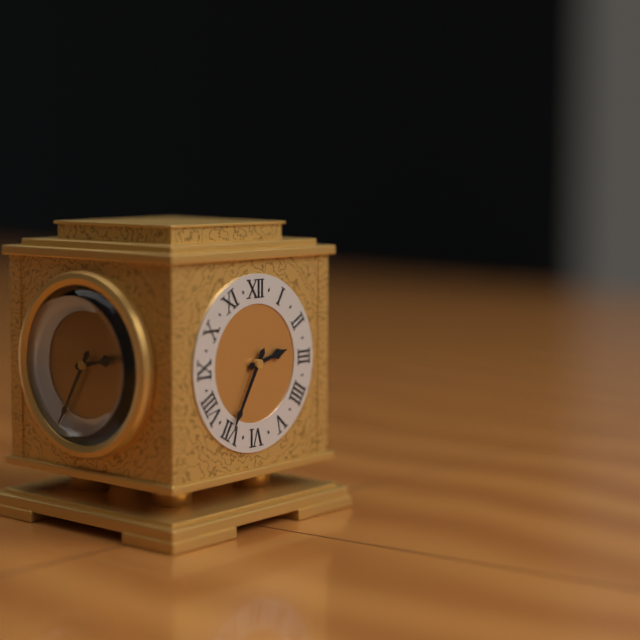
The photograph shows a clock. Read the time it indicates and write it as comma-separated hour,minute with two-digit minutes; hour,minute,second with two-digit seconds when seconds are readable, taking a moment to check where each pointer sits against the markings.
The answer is 2,35
